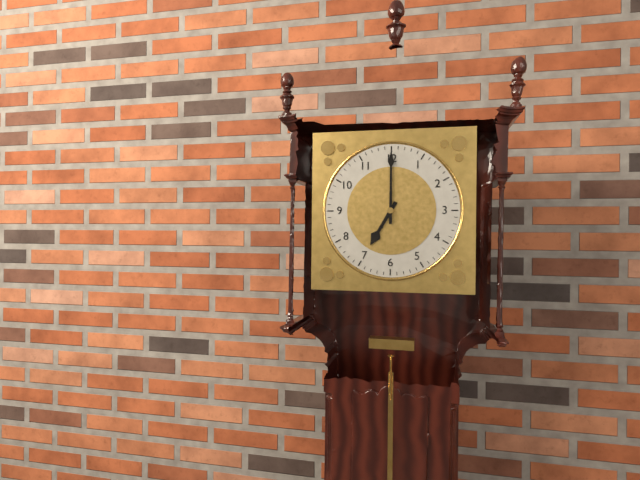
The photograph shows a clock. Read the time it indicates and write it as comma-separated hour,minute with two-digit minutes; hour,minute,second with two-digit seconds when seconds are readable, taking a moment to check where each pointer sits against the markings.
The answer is 7,00
